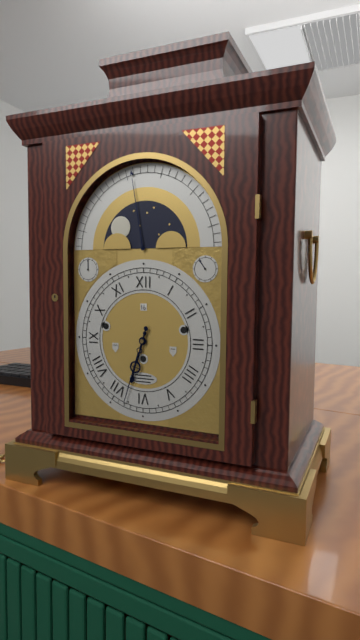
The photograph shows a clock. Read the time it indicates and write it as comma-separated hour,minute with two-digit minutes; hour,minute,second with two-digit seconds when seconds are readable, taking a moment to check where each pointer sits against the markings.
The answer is 6,33
